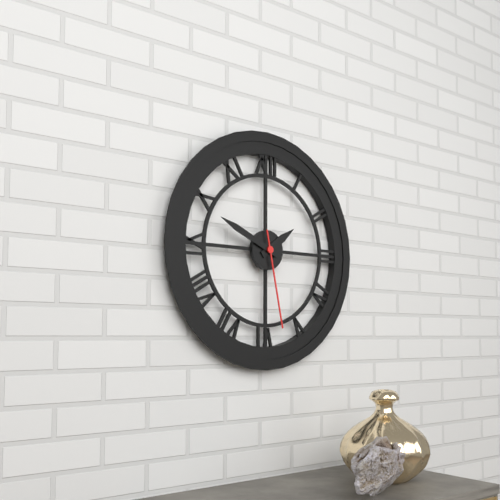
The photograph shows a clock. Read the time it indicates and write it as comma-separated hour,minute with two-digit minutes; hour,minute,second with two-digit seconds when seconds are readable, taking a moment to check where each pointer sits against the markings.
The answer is 1,49,28
